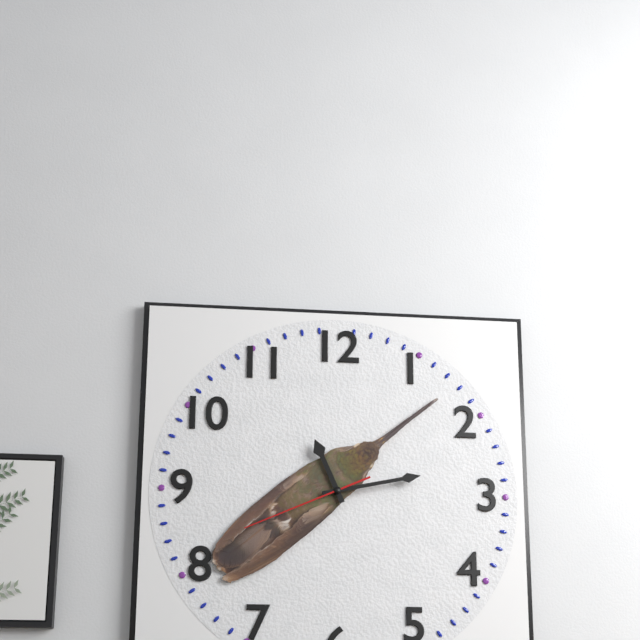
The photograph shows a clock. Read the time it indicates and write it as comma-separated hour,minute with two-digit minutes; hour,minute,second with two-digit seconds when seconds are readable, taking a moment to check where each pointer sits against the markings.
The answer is 11,13,41
